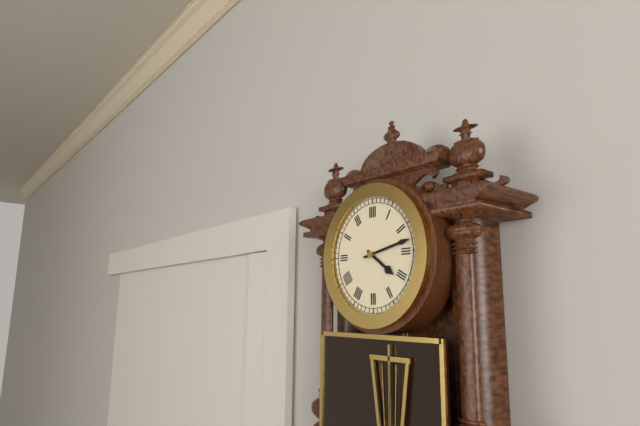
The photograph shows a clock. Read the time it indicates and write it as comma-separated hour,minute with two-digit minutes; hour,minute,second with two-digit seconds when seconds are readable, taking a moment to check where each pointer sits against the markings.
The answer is 4,13
